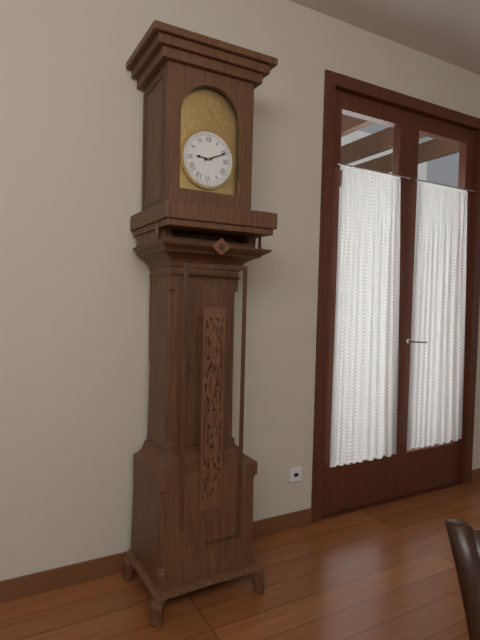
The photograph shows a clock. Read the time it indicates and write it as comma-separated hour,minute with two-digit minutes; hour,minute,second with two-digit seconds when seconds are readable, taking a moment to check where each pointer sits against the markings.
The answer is 9,11
